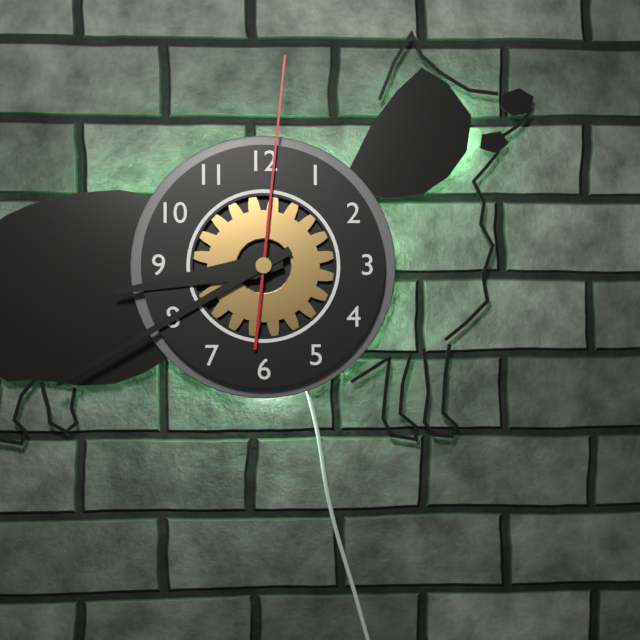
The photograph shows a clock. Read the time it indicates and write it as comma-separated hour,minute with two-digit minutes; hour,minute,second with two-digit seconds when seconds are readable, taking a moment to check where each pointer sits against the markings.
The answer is 8,40,01
